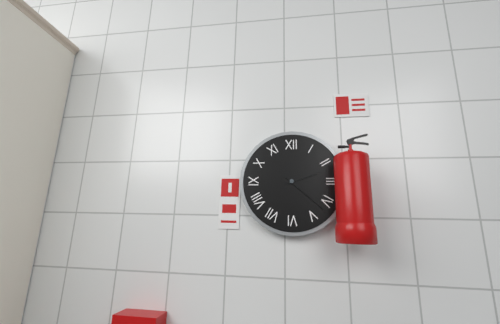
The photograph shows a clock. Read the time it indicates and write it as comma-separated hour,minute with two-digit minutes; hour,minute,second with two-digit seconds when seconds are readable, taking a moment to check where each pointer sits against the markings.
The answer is 2,22
